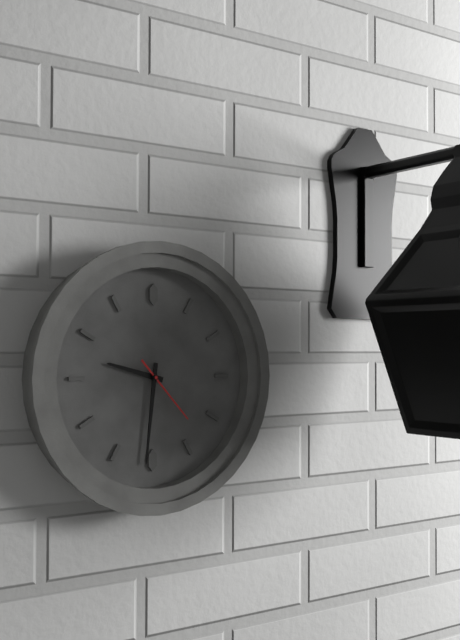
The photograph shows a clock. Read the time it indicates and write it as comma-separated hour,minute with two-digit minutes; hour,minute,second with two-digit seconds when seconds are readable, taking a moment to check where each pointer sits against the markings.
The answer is 9,31,23
